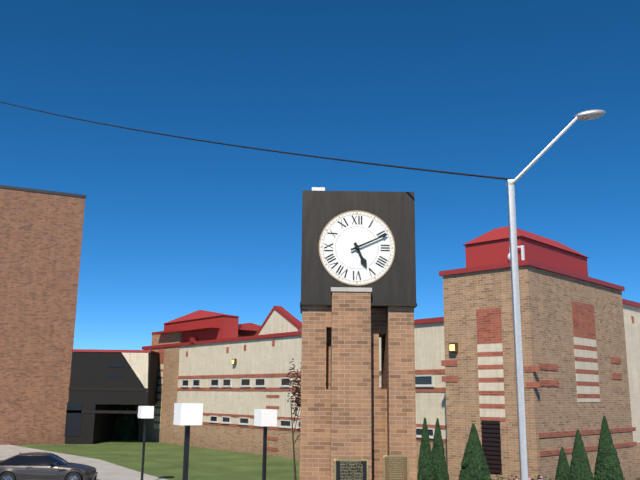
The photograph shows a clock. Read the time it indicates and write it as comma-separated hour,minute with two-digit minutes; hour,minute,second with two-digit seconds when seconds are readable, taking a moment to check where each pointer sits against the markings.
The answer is 5,11
